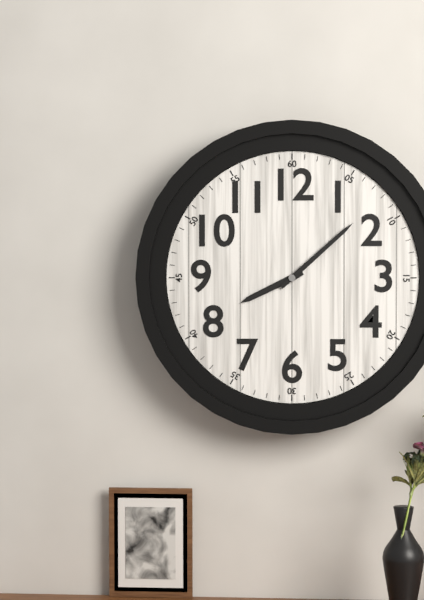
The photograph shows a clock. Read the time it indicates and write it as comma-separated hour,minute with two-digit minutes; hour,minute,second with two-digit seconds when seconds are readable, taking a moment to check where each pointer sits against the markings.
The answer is 8,08
